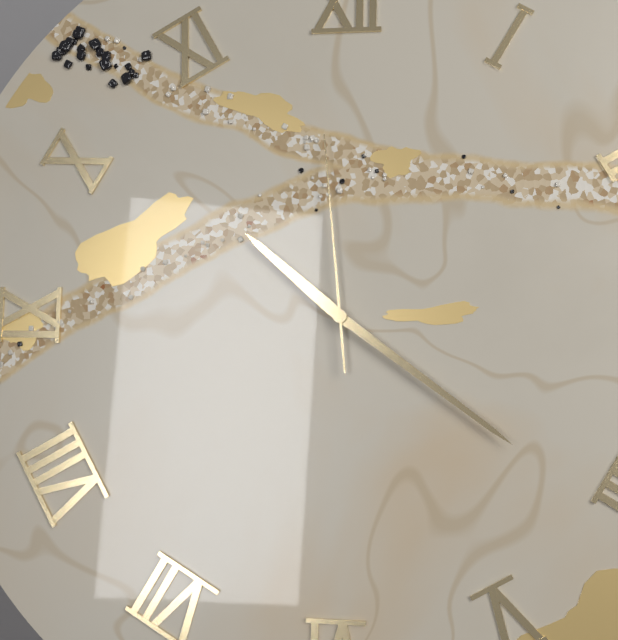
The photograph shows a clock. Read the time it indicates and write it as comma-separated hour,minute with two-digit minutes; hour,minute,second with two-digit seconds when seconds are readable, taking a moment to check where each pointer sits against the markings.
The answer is 10,21,59
